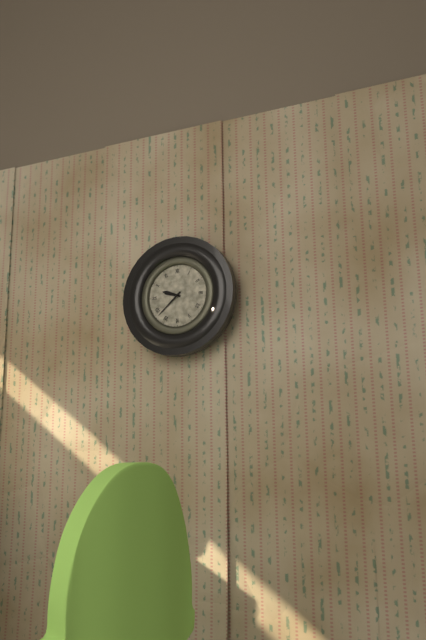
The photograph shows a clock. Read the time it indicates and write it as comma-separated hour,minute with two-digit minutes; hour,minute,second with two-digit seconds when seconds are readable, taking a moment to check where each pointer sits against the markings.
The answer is 9,38
